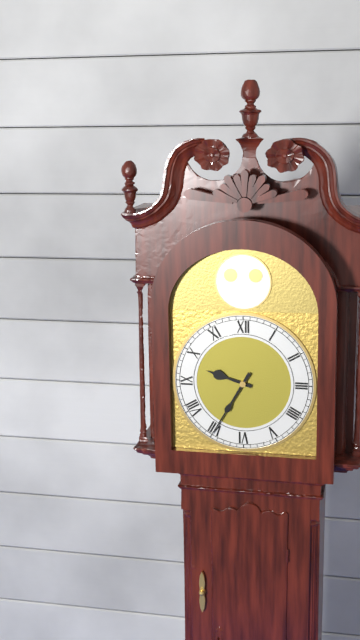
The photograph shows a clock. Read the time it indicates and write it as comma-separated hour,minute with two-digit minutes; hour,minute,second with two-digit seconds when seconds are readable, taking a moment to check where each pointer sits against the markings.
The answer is 9,35
